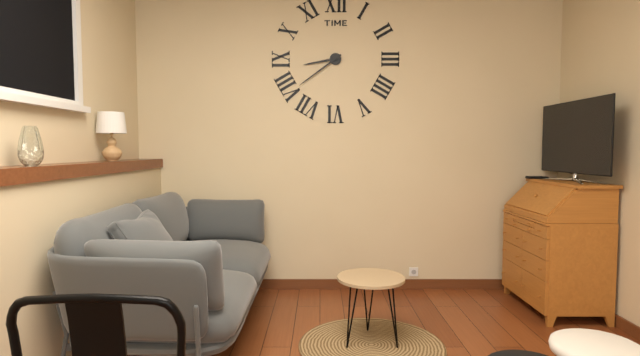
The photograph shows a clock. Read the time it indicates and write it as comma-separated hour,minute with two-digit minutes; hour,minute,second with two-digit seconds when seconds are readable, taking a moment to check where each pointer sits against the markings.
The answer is 8,39
